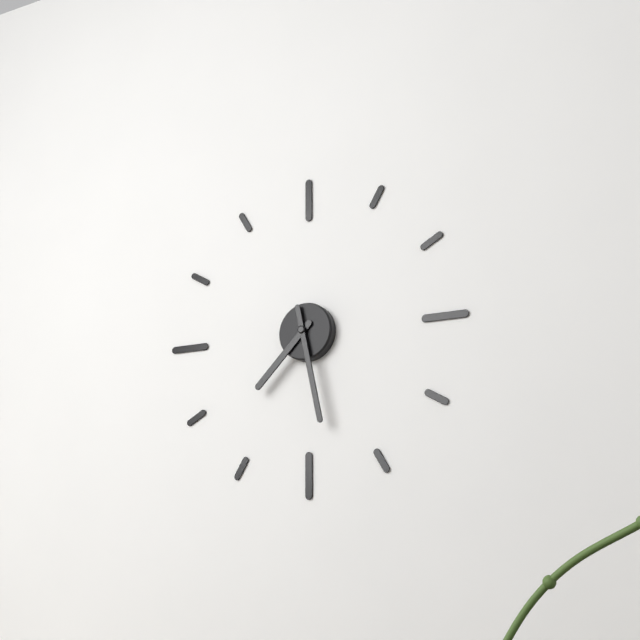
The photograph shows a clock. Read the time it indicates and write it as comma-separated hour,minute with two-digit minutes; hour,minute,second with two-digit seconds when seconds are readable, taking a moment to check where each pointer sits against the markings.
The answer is 7,28
